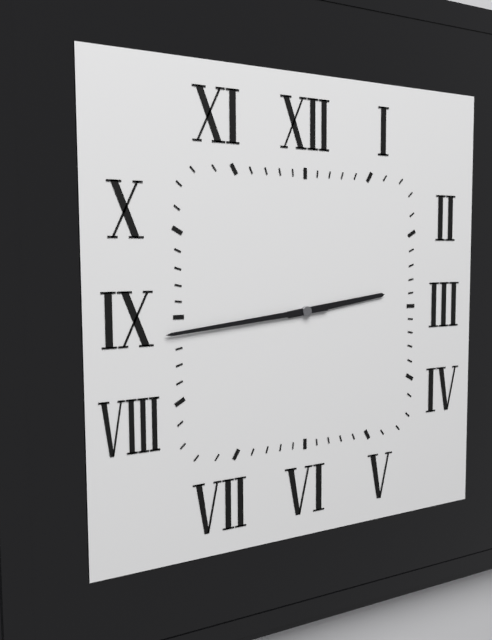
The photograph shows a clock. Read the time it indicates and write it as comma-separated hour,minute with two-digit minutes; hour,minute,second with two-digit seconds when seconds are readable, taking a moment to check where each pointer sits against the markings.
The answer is 2,44
